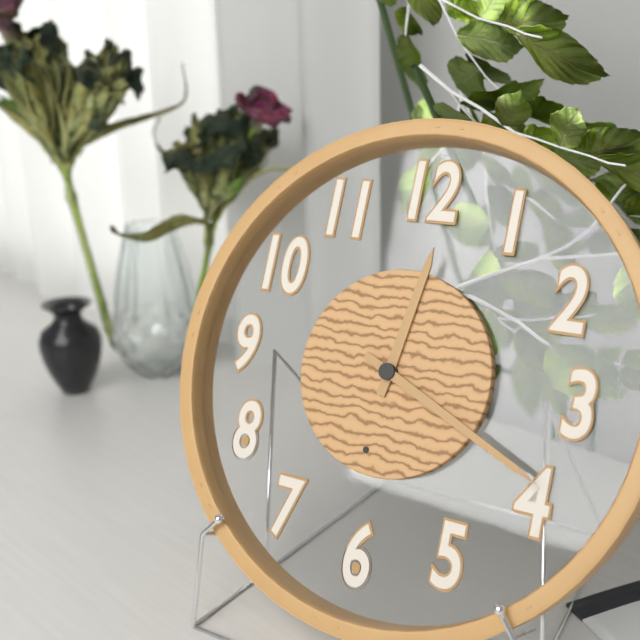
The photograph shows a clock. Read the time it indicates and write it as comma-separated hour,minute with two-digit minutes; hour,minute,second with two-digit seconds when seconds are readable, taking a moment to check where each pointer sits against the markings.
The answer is 12,19
